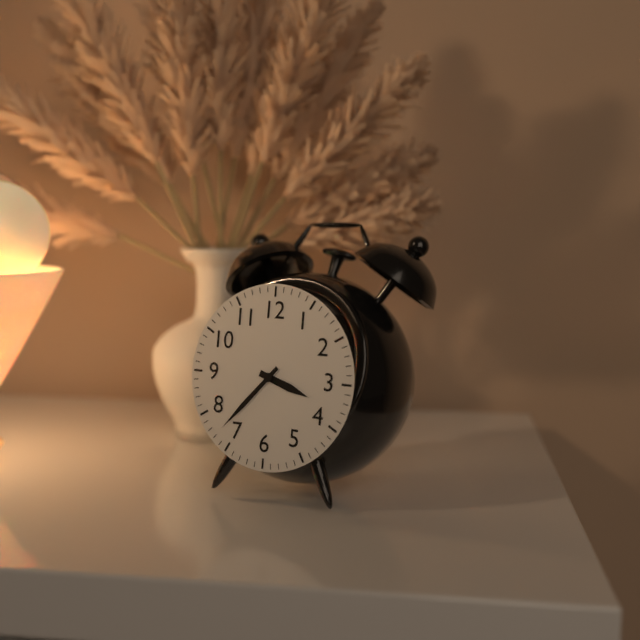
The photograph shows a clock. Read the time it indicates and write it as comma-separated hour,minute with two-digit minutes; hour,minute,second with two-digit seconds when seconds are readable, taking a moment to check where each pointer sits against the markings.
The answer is 3,37
